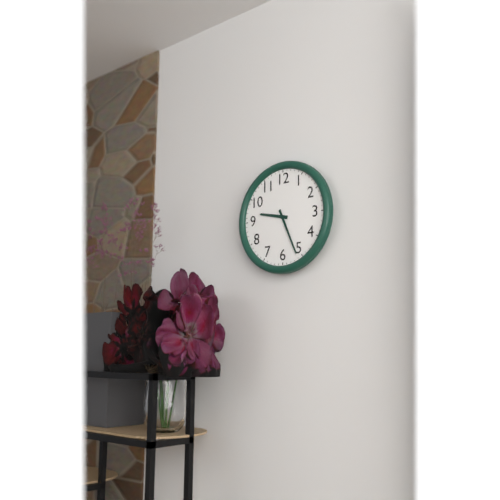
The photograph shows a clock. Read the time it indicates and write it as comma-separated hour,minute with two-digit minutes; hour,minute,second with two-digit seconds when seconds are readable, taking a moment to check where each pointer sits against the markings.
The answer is 9,26
